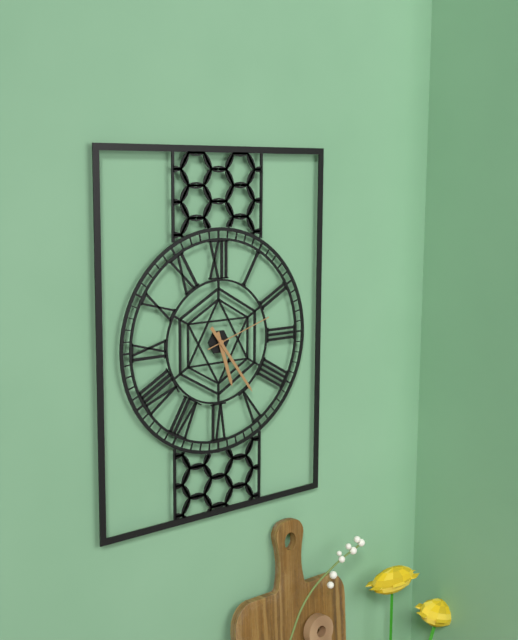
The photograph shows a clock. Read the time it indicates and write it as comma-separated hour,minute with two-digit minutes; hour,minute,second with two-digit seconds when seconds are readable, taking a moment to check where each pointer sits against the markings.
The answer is 5,24,12
